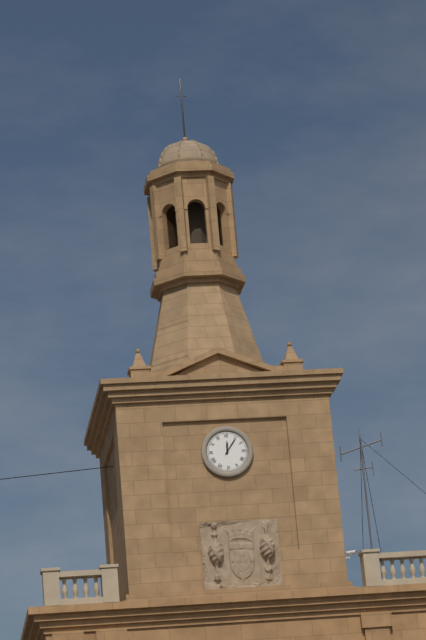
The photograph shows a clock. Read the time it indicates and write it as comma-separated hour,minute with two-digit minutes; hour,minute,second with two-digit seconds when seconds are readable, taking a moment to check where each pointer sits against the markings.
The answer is 12,06
